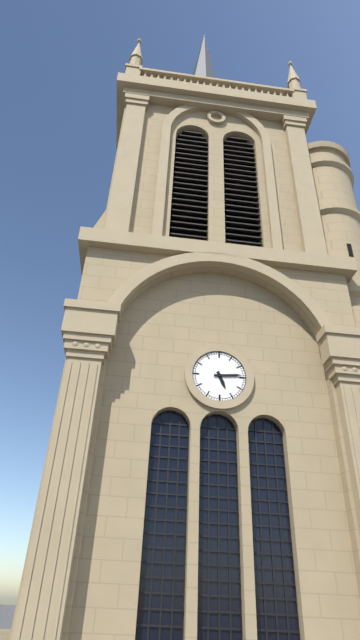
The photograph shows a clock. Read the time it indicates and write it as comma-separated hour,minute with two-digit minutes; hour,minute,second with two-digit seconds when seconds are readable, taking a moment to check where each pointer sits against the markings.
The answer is 5,14
